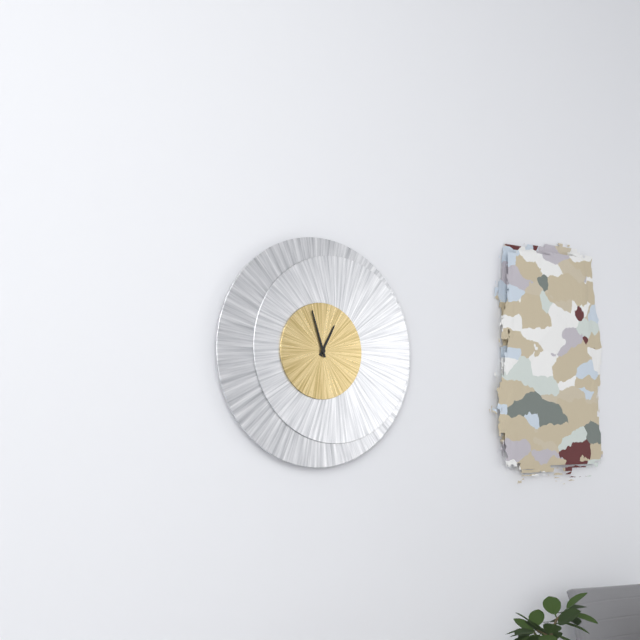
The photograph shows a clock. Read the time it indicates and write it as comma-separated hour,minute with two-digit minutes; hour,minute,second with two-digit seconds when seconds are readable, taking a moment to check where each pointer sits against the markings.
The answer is 12,57
